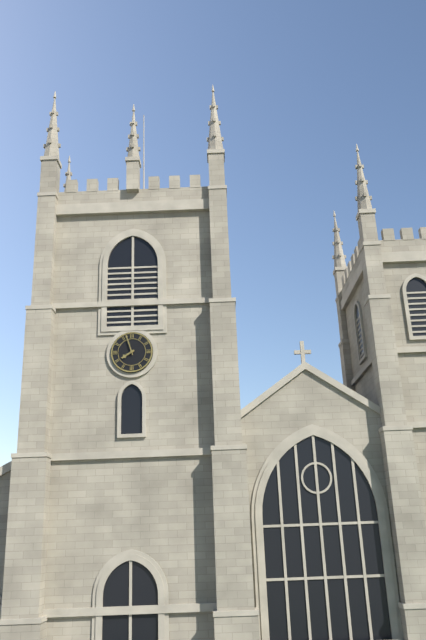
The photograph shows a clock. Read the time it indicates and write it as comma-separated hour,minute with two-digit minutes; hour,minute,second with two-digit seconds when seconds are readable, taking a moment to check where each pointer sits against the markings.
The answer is 7,57
